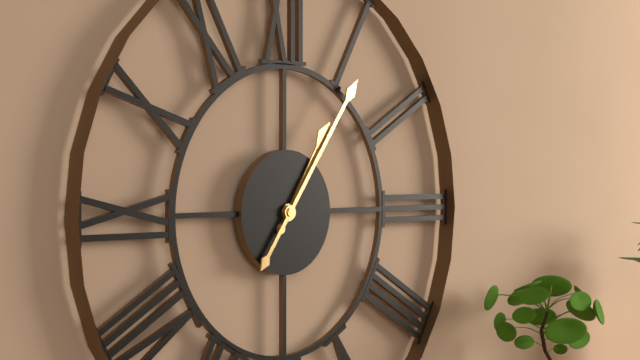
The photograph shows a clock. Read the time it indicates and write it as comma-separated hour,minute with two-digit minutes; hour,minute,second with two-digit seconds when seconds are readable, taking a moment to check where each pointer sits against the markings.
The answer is 1,06
